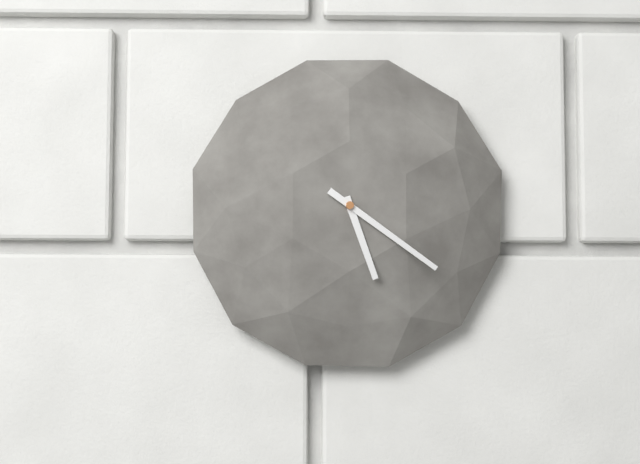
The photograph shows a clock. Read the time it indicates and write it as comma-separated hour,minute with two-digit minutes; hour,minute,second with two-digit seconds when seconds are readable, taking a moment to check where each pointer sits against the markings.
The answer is 5,21
